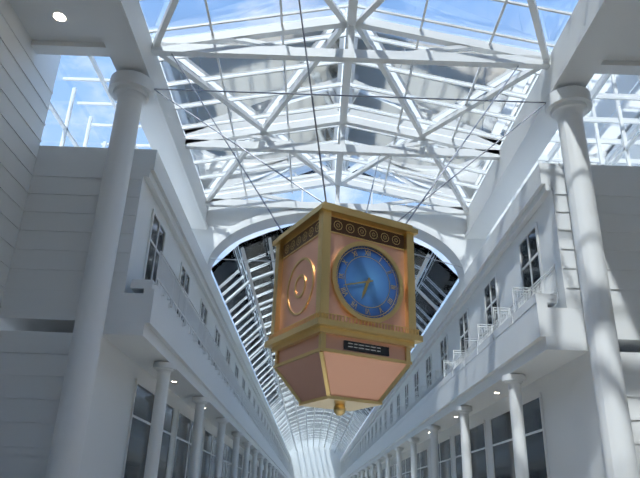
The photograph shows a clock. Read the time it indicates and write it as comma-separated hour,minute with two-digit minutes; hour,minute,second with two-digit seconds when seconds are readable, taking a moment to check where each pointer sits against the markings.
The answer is 6,42
